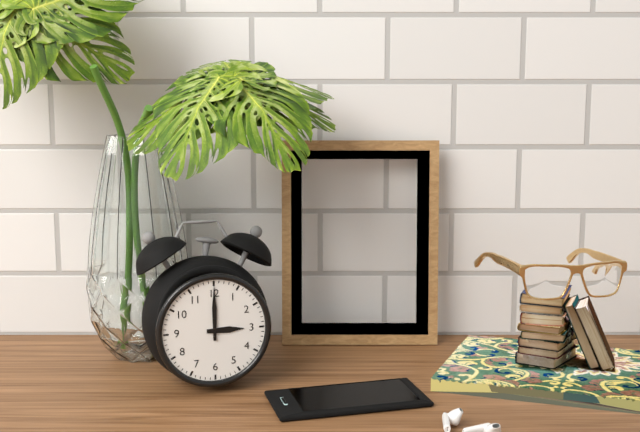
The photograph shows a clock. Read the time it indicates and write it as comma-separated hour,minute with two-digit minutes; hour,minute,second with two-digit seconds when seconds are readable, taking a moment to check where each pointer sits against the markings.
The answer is 3,00
